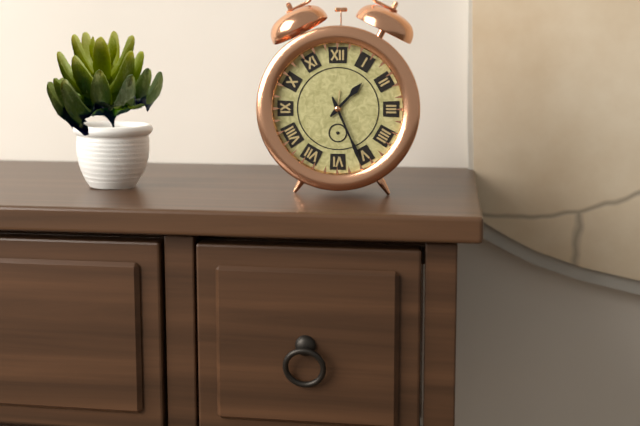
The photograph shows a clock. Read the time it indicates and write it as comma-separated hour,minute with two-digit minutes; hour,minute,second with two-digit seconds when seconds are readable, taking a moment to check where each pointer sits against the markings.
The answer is 1,26
